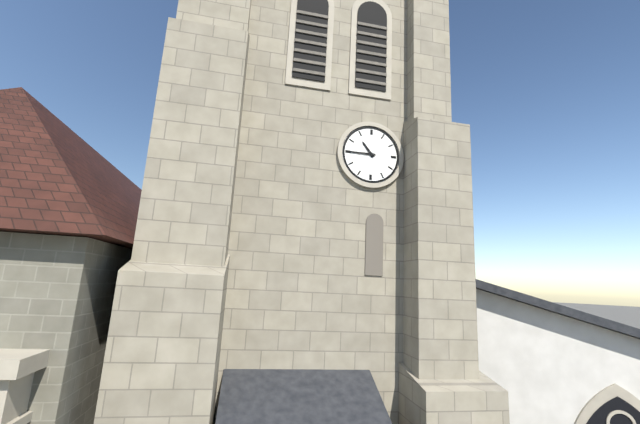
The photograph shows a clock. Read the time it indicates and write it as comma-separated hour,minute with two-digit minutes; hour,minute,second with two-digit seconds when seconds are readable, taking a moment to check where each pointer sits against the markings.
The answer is 10,45
